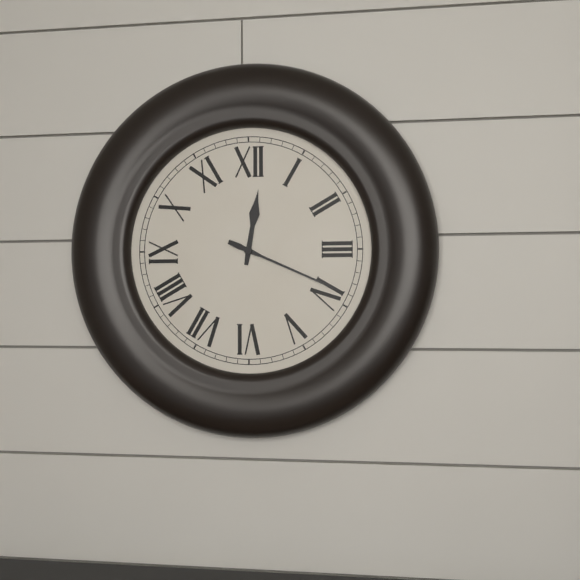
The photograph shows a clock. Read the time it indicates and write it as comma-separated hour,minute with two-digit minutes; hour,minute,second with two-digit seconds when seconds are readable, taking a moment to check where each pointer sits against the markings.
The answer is 12,19
